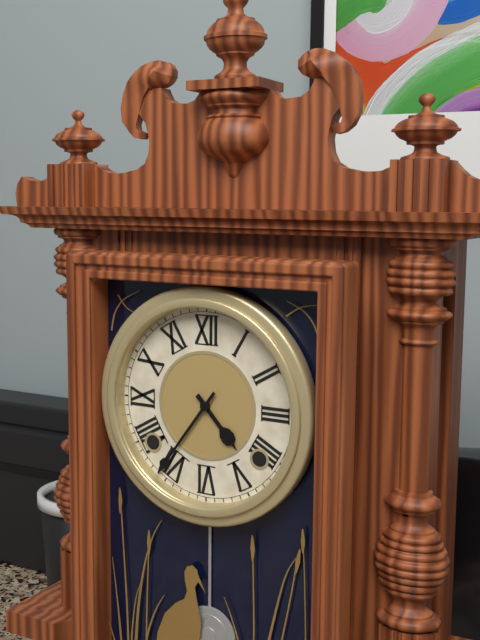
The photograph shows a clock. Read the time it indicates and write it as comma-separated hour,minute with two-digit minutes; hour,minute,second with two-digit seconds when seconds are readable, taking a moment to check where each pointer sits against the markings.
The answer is 4,36
